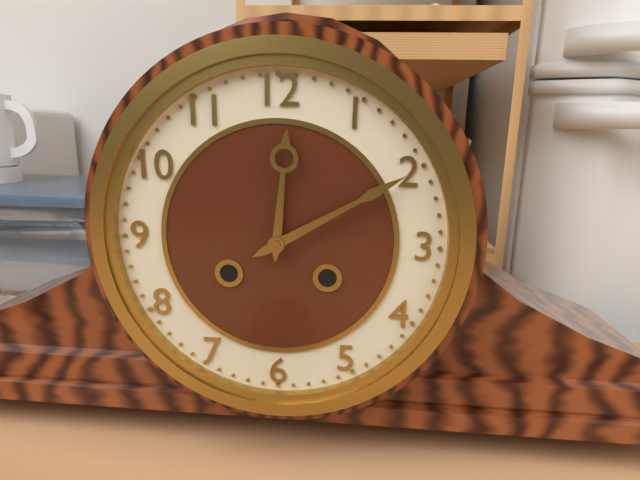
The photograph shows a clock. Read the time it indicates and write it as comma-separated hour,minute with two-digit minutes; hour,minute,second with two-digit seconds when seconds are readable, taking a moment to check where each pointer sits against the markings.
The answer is 12,10
